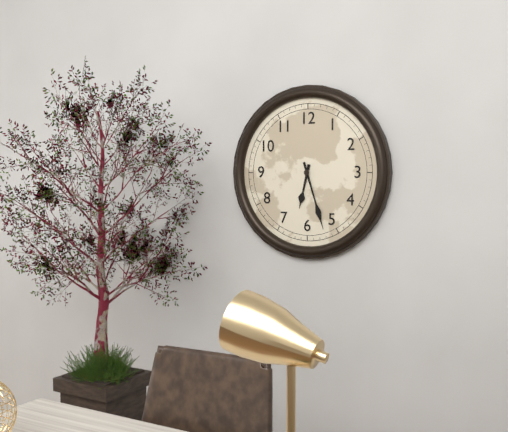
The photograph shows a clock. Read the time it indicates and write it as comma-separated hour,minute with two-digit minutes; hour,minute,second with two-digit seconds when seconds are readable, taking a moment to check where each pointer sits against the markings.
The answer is 6,27
